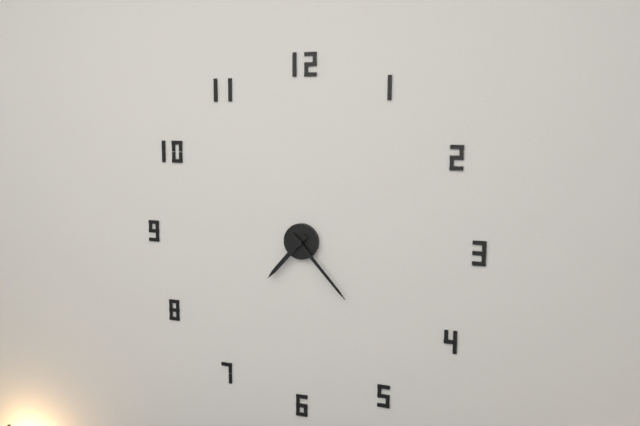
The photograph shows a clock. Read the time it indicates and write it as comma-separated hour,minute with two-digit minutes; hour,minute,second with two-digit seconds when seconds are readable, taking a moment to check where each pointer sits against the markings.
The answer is 7,23
